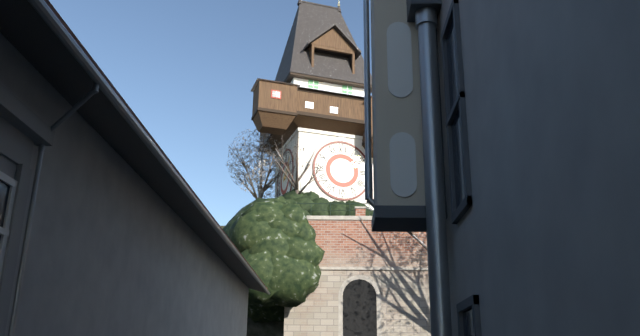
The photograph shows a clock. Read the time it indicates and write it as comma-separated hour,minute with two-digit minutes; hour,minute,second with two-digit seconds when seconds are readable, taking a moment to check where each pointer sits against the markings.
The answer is 2,08
